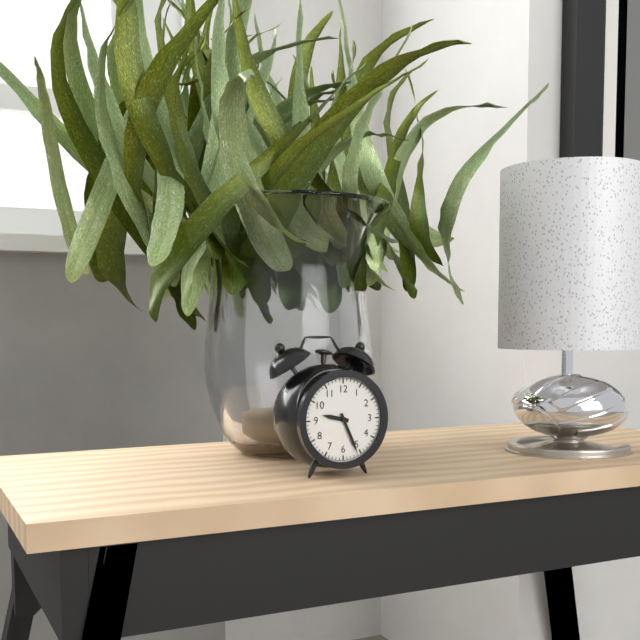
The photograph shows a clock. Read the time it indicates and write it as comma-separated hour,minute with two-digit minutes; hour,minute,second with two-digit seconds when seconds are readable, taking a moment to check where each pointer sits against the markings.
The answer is 9,26
